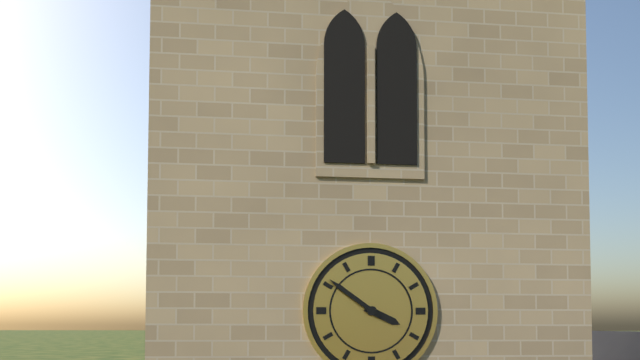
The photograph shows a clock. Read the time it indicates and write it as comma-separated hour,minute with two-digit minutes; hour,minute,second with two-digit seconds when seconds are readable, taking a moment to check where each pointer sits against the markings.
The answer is 3,51
